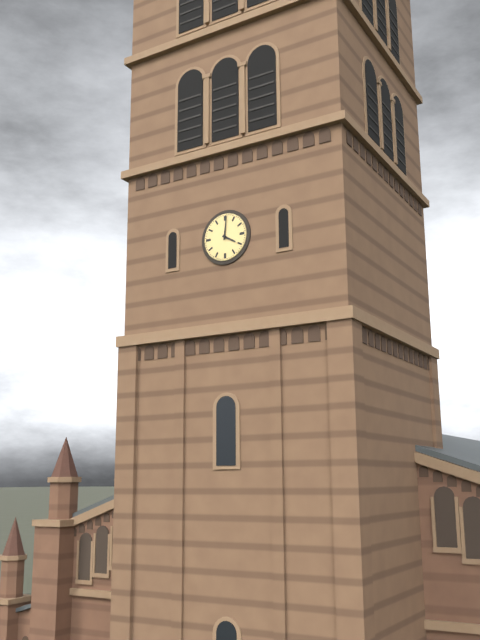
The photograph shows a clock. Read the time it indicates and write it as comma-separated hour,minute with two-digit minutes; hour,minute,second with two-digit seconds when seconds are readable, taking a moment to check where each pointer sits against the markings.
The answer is 4,01
